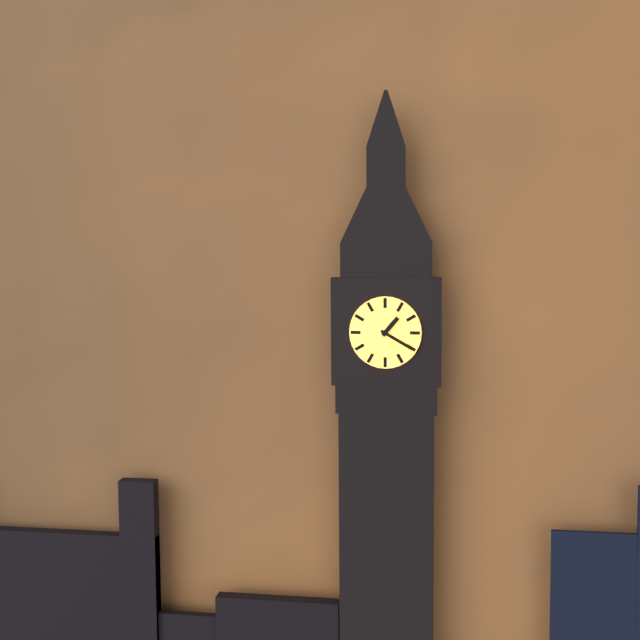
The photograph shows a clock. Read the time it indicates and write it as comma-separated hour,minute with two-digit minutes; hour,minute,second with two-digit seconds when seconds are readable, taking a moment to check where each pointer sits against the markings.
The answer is 1,20
